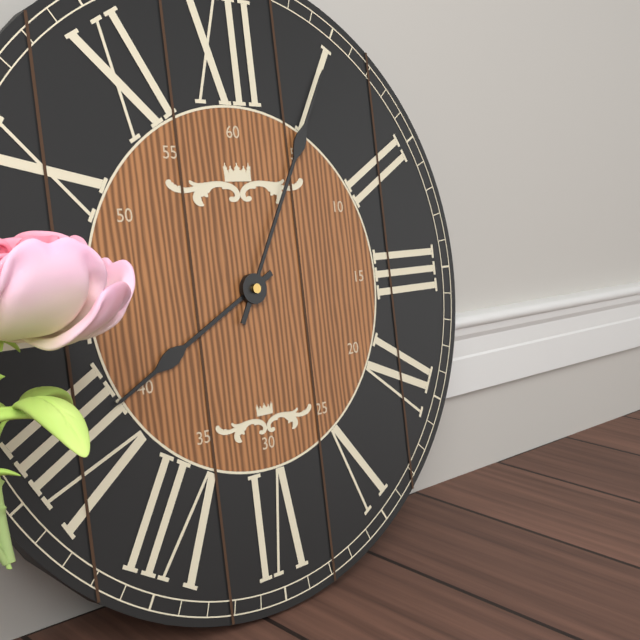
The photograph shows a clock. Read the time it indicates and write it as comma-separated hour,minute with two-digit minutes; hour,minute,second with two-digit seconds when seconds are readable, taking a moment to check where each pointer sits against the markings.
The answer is 8,05
